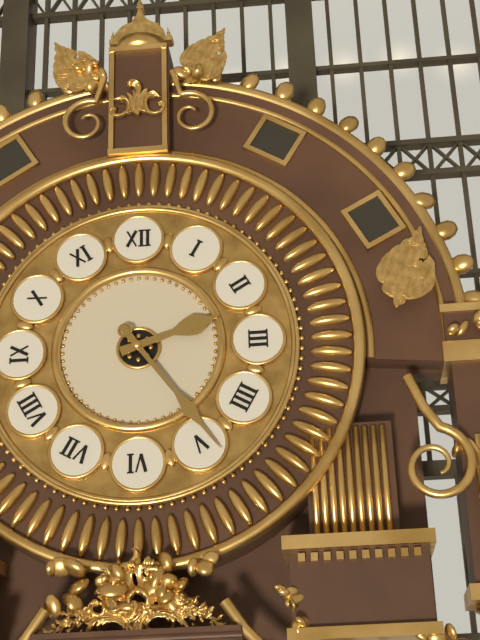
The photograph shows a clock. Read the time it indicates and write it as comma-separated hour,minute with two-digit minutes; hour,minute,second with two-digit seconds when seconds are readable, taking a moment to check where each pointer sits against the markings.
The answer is 2,24
